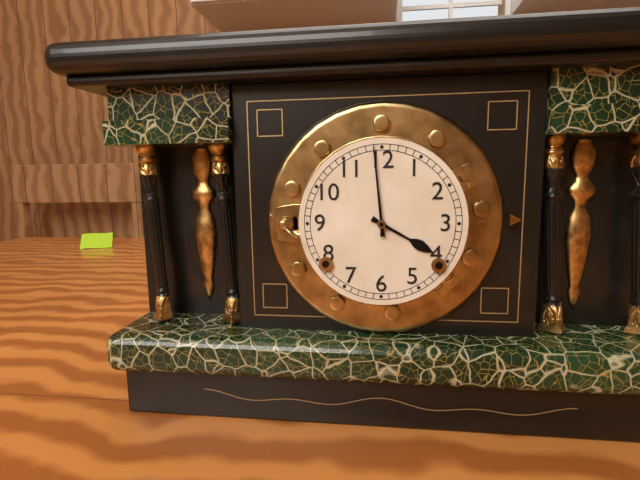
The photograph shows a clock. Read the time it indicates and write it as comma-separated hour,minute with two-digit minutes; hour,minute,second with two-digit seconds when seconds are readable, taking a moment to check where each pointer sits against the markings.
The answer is 3,59
